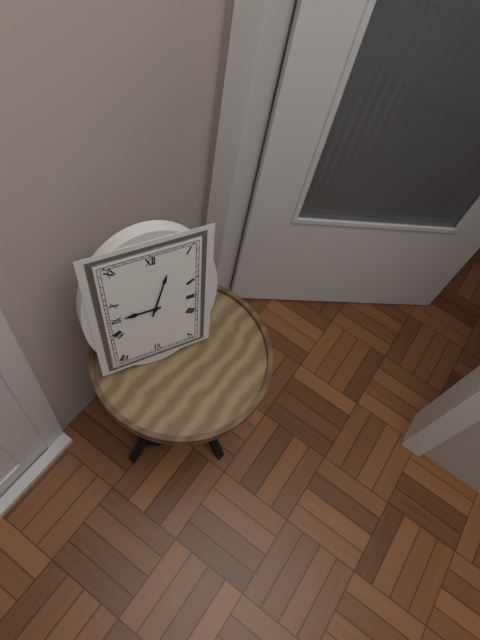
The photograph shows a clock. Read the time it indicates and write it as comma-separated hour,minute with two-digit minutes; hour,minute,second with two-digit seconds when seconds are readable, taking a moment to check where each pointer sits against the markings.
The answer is 9,03
